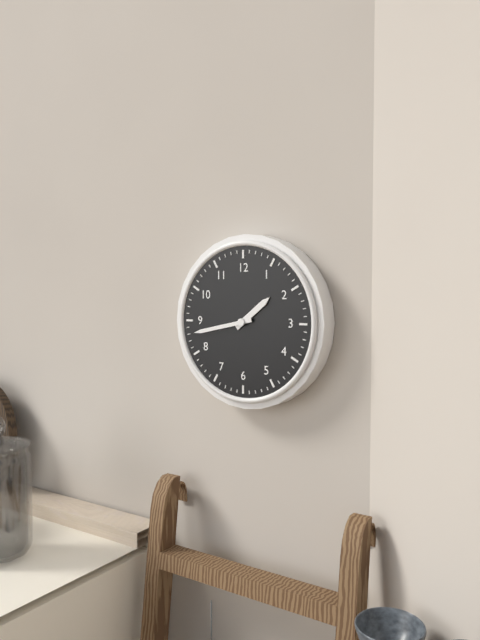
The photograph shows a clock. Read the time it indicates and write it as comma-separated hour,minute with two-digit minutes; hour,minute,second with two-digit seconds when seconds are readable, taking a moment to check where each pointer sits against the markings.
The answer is 1,43
